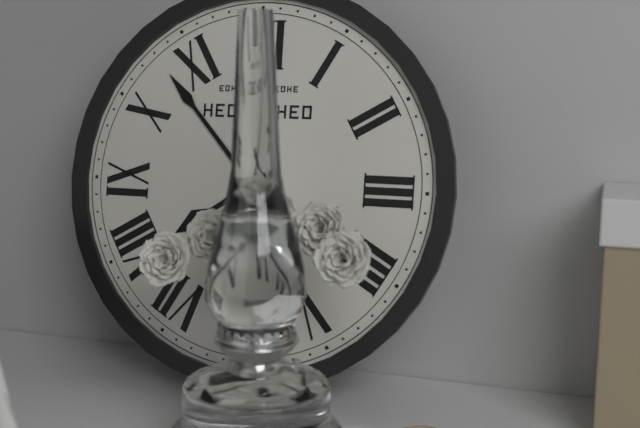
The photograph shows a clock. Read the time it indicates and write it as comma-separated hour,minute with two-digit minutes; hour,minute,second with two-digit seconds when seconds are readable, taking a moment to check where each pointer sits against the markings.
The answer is 7,53
